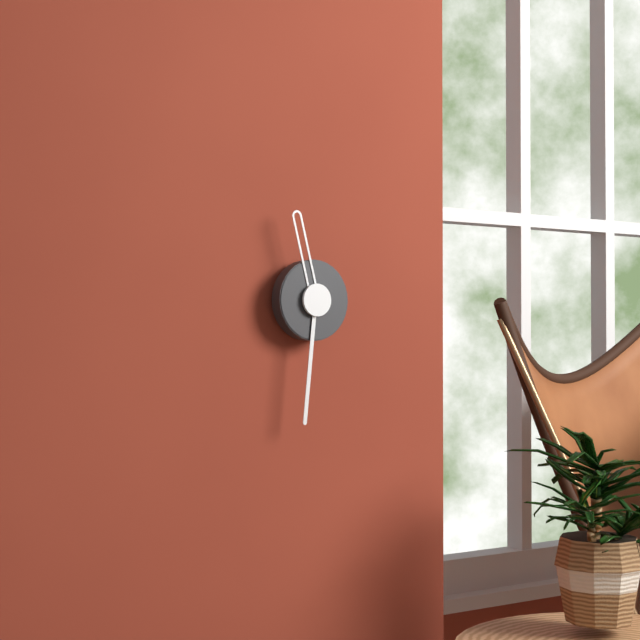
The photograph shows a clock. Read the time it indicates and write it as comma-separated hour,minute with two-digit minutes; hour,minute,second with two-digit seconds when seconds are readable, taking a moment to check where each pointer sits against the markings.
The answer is 11,31
